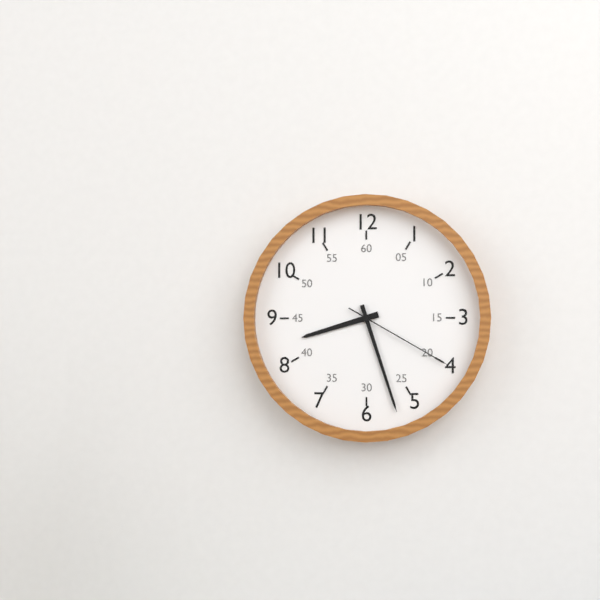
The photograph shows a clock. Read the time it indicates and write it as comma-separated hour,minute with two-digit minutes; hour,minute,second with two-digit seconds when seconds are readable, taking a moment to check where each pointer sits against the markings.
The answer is 8,27,20
